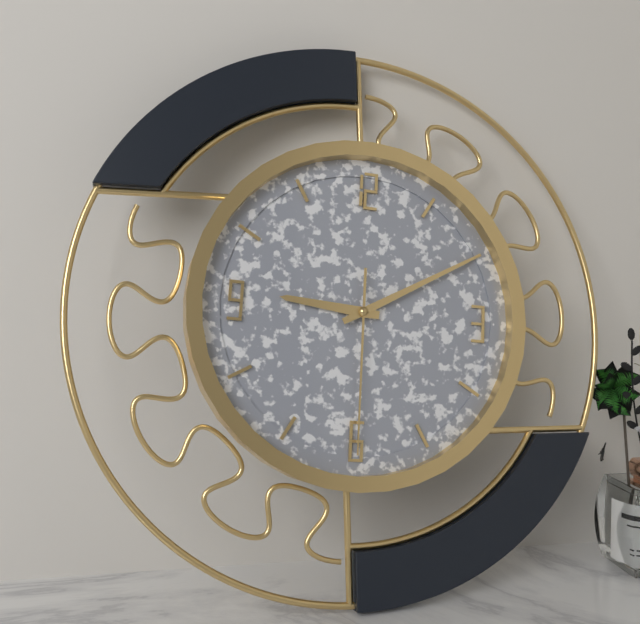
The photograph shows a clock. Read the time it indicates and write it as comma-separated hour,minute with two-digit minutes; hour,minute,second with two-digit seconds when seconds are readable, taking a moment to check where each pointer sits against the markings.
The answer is 9,10,30
